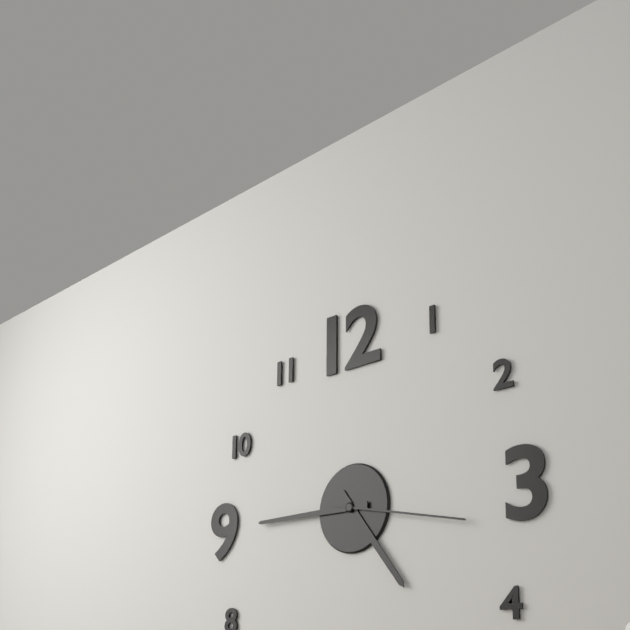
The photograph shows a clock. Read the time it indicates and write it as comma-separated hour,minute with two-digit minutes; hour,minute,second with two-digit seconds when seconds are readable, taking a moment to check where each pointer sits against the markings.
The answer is 4,45,17
